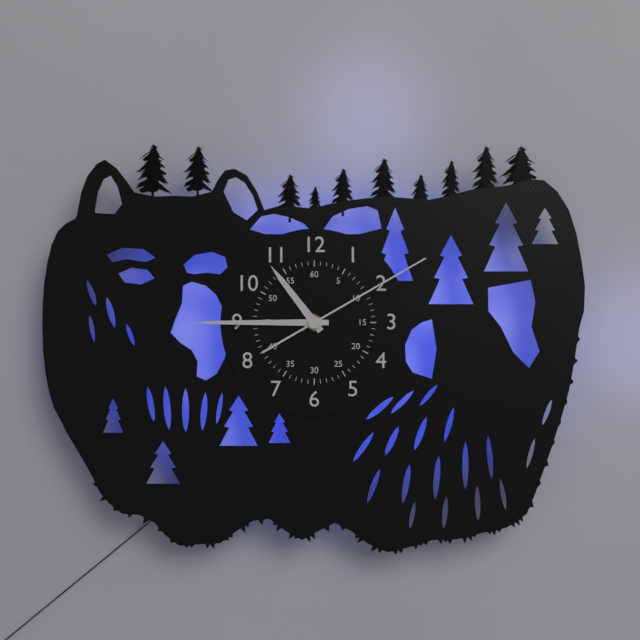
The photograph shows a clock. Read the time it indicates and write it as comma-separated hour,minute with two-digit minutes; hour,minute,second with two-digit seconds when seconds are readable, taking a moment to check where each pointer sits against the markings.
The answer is 10,45,10
